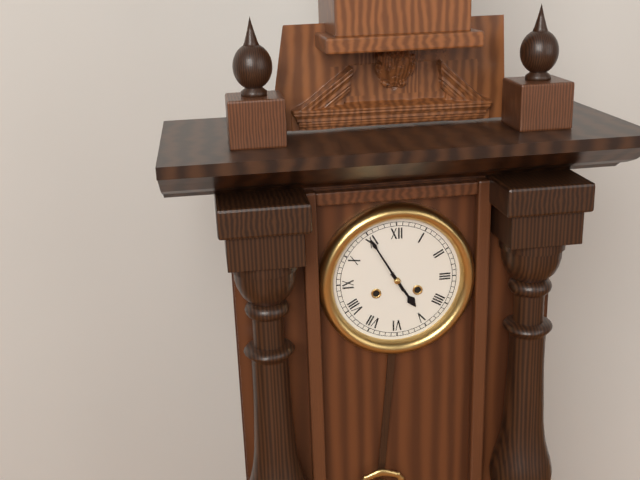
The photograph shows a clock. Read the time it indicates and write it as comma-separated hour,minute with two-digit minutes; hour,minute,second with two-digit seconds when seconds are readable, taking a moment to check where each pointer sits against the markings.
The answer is 4,55
